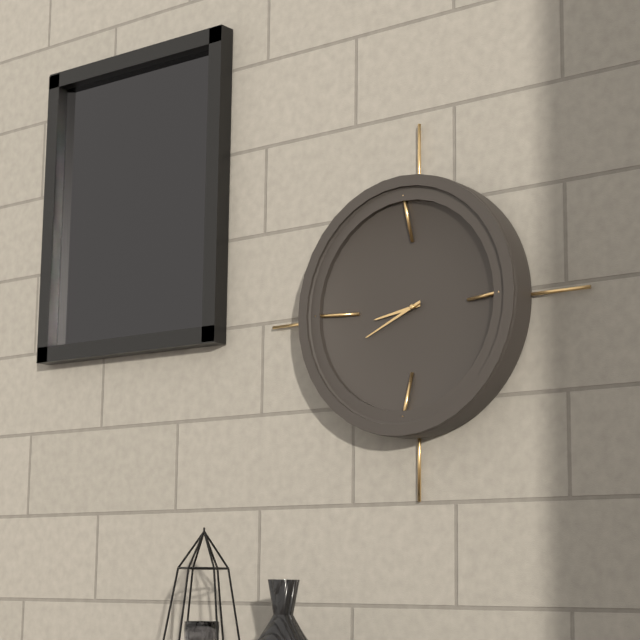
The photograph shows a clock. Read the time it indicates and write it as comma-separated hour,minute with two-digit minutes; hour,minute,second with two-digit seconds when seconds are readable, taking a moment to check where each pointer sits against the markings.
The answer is 8,41
